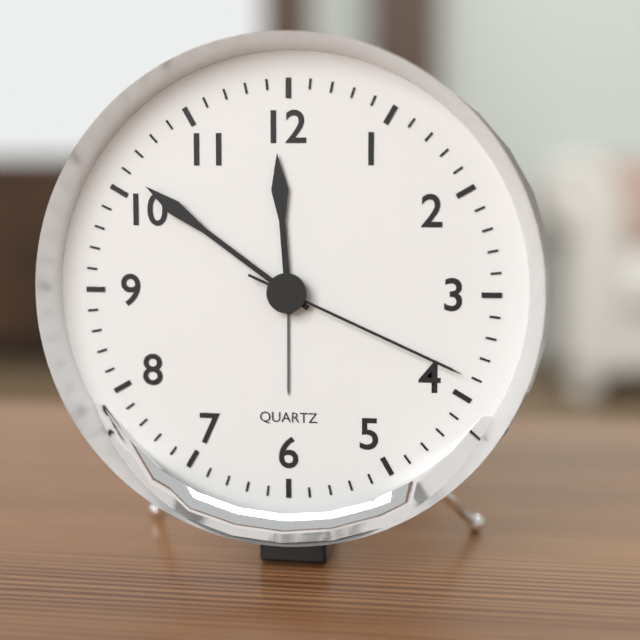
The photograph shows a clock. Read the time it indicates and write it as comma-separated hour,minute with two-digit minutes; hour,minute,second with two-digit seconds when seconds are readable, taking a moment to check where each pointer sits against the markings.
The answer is 11,51,19
